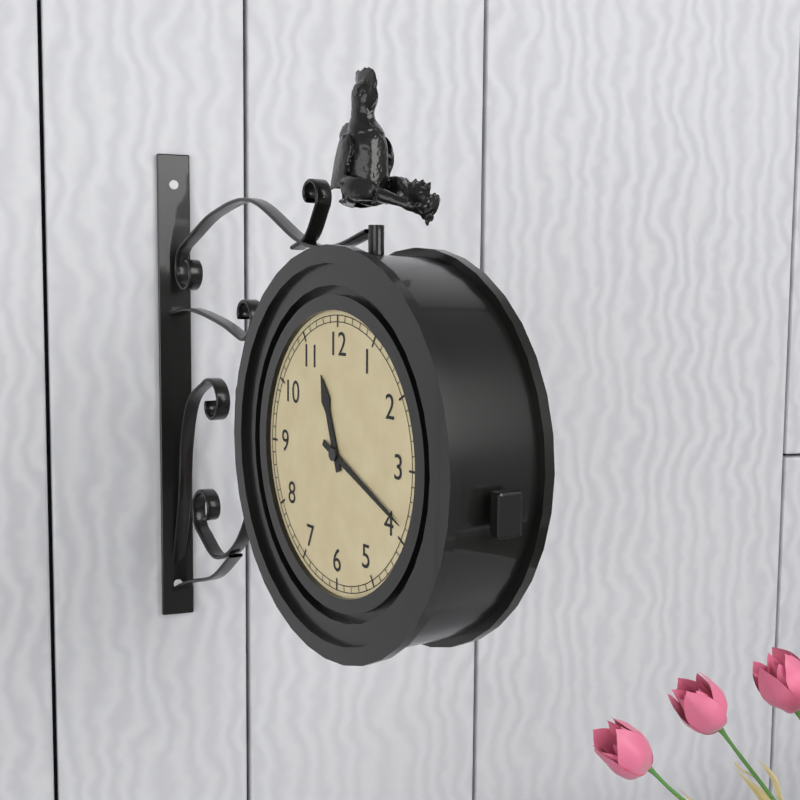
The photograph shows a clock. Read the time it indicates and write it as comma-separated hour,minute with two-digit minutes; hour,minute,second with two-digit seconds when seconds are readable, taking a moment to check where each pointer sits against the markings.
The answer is 11,19
